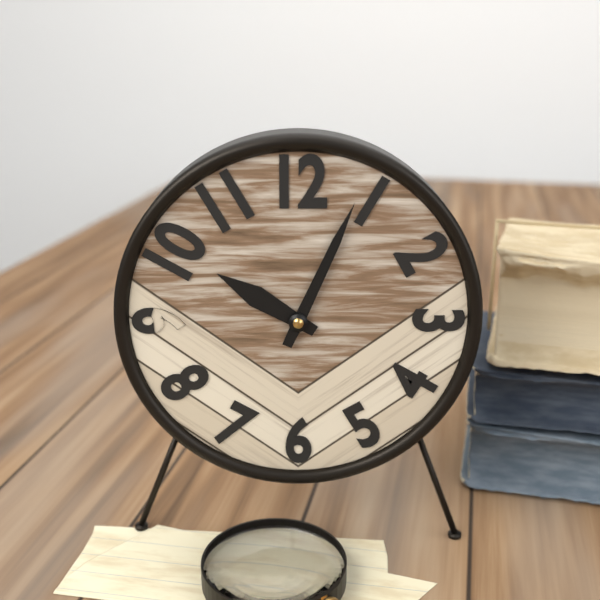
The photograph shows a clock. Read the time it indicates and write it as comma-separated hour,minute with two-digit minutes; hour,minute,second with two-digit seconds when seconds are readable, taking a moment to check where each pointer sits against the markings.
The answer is 10,04
